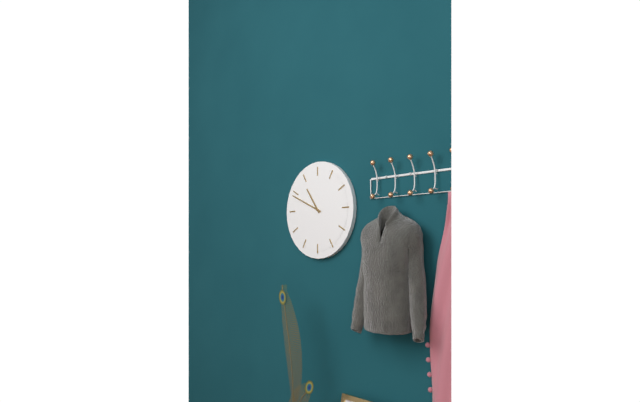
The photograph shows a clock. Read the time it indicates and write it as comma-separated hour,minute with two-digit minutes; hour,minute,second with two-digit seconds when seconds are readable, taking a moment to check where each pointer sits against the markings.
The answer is 10,49
